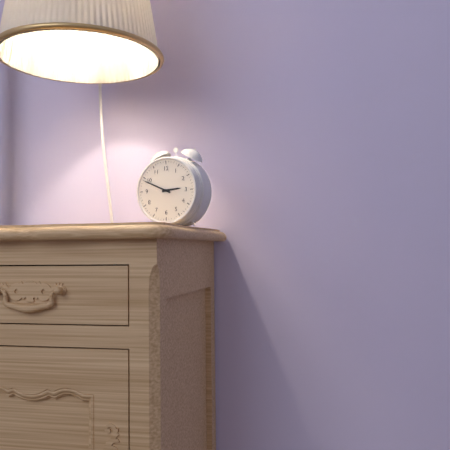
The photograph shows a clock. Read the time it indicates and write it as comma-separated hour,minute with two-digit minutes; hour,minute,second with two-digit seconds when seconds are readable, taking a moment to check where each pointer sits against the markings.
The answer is 2,49
